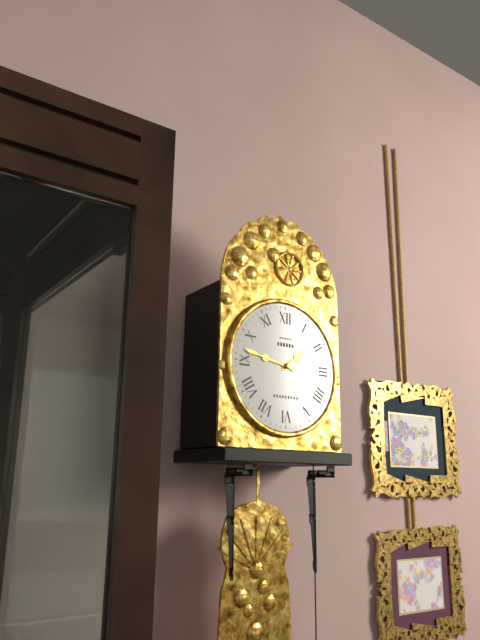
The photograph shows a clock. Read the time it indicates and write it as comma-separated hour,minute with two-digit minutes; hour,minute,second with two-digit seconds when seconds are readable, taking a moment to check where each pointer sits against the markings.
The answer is 1,47
